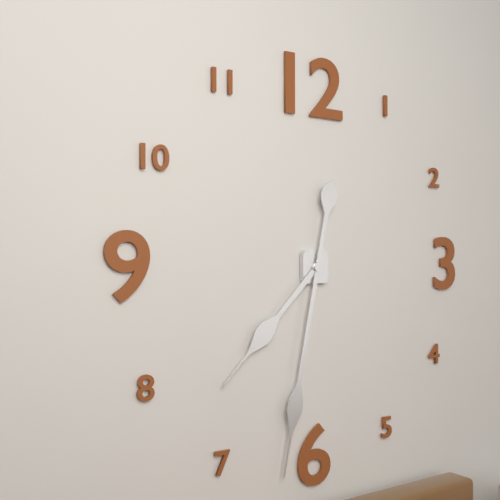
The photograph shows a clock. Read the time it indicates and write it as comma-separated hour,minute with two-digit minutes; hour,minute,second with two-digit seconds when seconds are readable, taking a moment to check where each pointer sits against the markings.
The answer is 7,32
